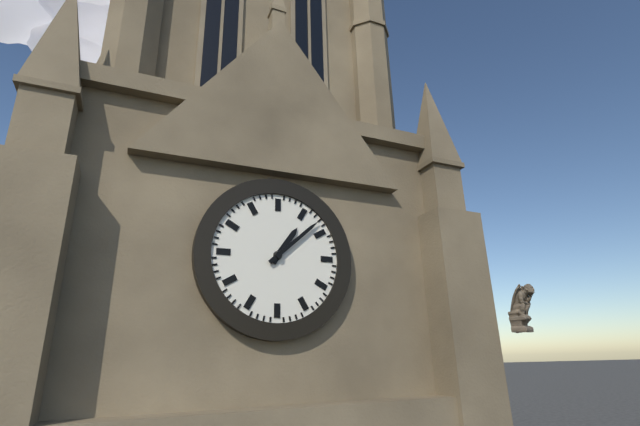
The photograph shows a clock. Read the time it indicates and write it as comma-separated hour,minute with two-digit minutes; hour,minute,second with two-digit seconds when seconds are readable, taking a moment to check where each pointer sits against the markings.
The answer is 1,08
